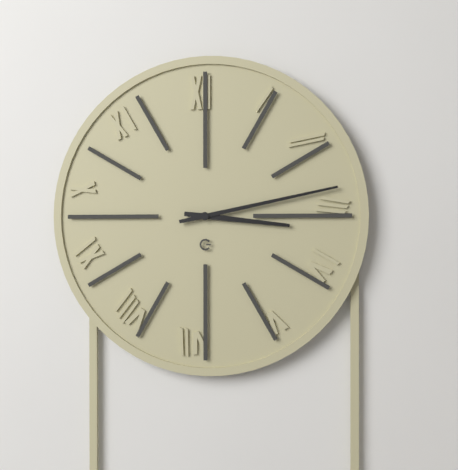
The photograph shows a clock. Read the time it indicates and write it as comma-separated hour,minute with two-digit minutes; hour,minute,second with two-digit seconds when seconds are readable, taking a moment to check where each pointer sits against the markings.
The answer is 3,13
